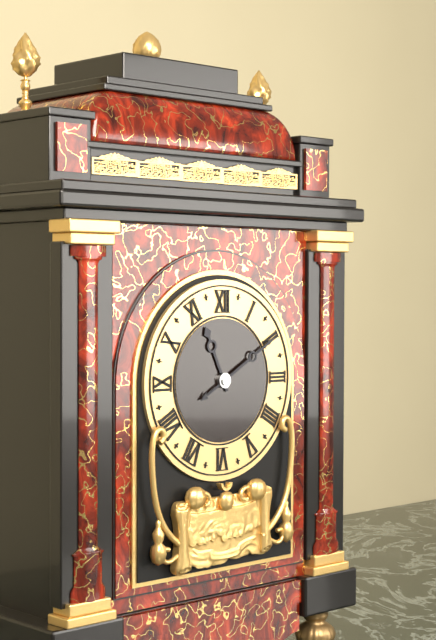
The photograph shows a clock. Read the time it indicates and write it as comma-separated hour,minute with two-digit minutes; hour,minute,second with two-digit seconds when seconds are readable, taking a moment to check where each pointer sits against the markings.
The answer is 11,10
